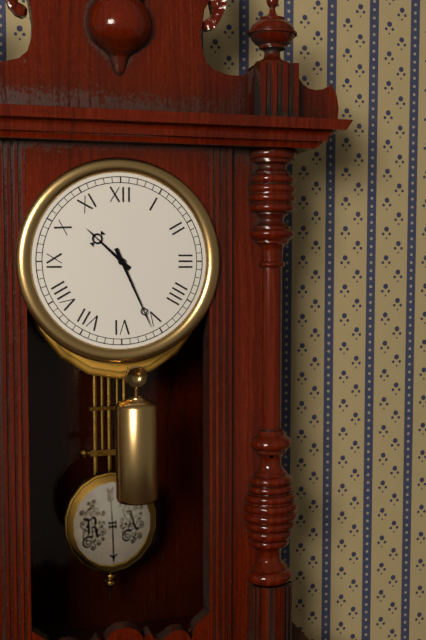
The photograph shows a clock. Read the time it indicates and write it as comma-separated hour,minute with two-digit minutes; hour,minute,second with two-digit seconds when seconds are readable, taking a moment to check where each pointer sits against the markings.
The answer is 10,26
